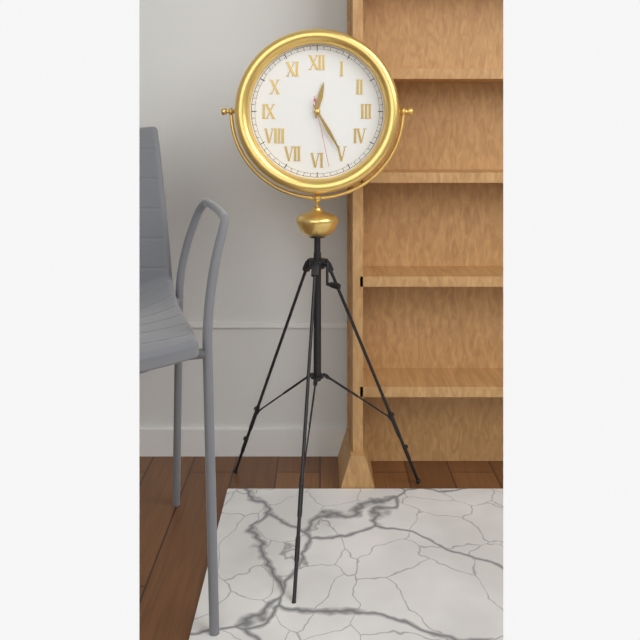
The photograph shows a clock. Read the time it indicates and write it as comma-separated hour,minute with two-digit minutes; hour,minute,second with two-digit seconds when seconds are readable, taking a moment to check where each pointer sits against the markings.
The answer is 12,25,28
